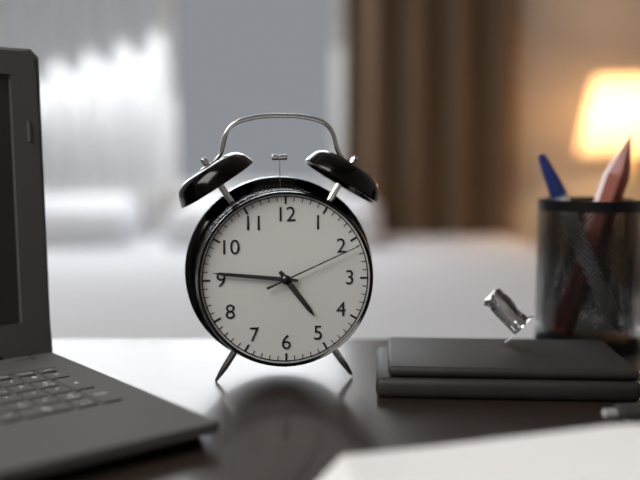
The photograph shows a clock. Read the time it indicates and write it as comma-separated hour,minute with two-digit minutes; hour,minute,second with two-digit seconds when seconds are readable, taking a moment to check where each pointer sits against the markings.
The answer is 4,46,11
